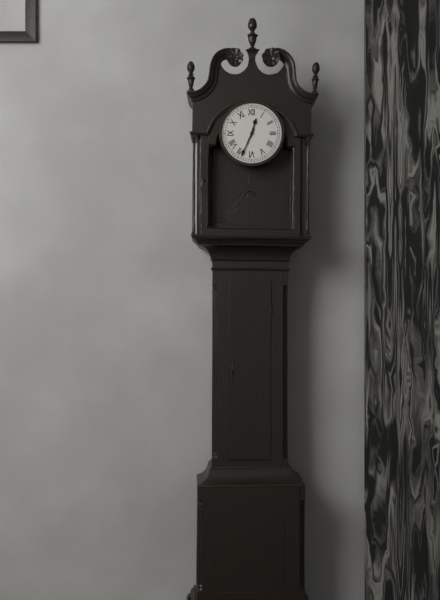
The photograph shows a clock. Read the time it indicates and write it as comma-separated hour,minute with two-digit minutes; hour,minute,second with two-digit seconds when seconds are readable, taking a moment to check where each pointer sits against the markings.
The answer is 12,34
